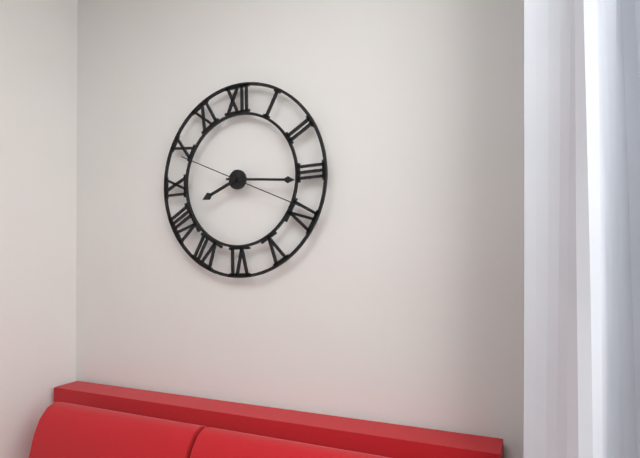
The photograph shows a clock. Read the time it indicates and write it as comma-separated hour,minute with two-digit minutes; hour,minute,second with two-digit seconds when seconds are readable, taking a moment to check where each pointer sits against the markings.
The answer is 8,16,19
